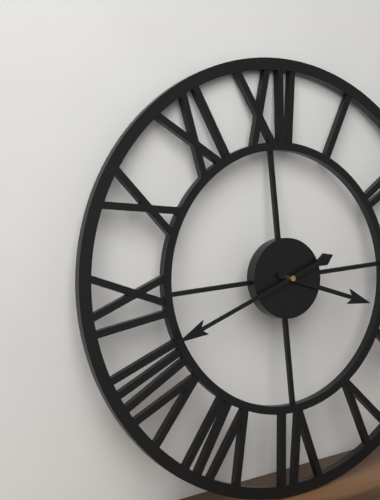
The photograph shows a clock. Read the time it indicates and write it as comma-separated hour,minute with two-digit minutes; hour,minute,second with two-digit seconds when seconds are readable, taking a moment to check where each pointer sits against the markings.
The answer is 3,42
